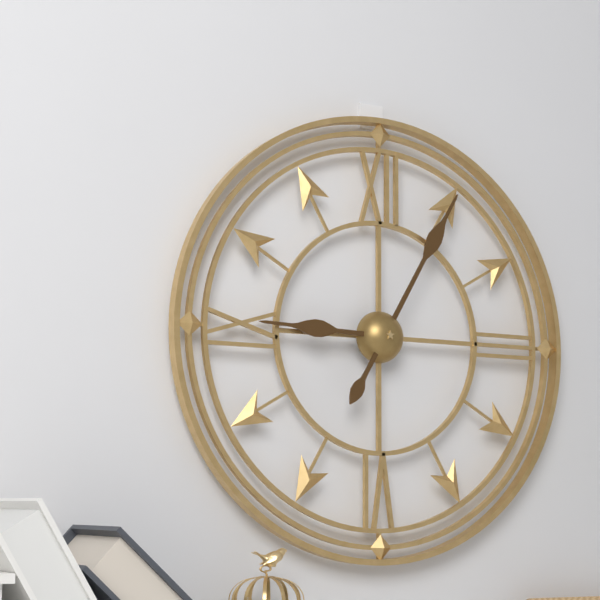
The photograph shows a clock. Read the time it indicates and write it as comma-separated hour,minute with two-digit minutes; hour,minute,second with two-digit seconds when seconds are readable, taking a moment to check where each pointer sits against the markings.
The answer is 9,05
